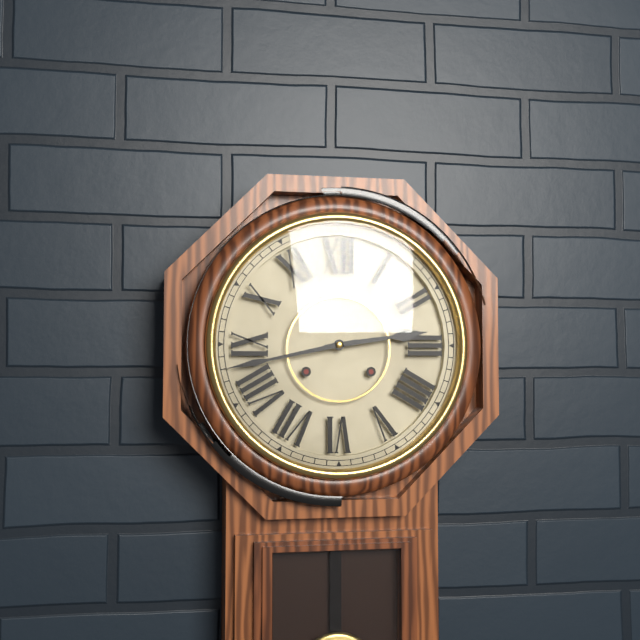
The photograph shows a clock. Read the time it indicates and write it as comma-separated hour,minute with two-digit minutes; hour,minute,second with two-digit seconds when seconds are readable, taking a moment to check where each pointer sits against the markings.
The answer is 2,43
